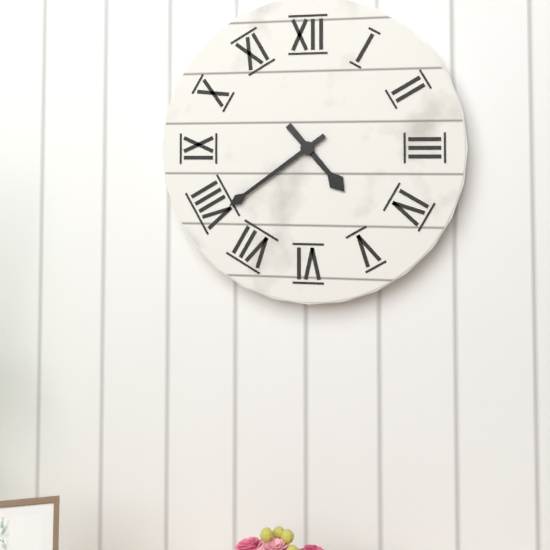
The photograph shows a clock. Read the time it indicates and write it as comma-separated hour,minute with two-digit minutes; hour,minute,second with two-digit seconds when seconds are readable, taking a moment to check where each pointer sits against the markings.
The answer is 4,39
